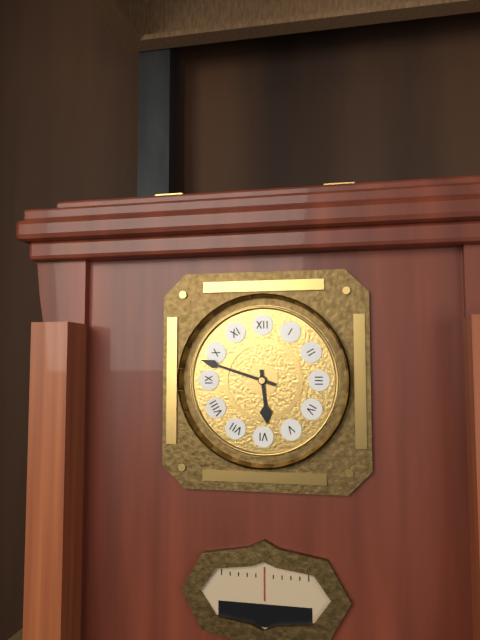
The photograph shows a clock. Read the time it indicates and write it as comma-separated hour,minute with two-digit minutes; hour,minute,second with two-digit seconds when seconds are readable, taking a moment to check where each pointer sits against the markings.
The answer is 5,48
